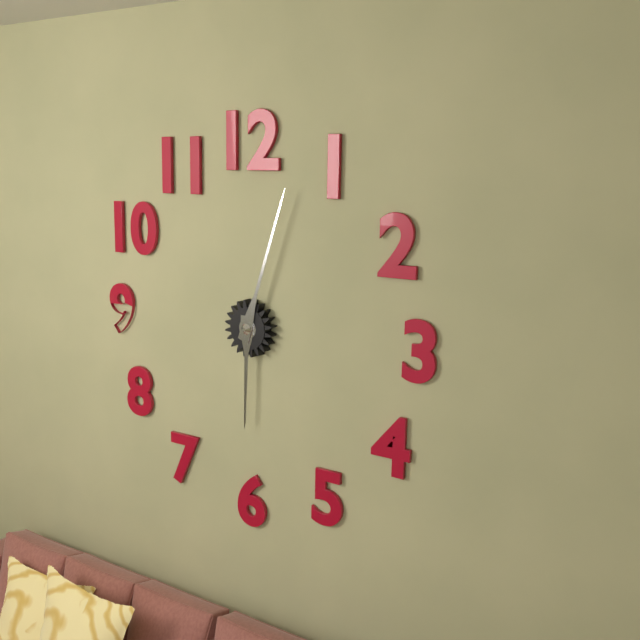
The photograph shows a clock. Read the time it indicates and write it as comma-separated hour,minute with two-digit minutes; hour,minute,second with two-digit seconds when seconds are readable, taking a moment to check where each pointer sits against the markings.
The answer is 6,03
